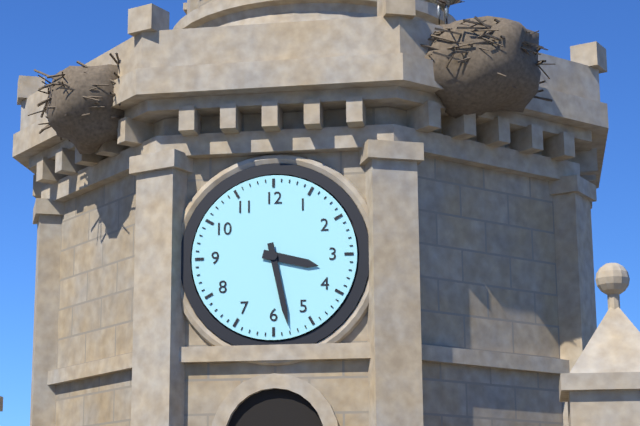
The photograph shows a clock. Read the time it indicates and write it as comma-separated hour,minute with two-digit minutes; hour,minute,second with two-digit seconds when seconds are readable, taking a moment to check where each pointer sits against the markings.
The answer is 3,28
